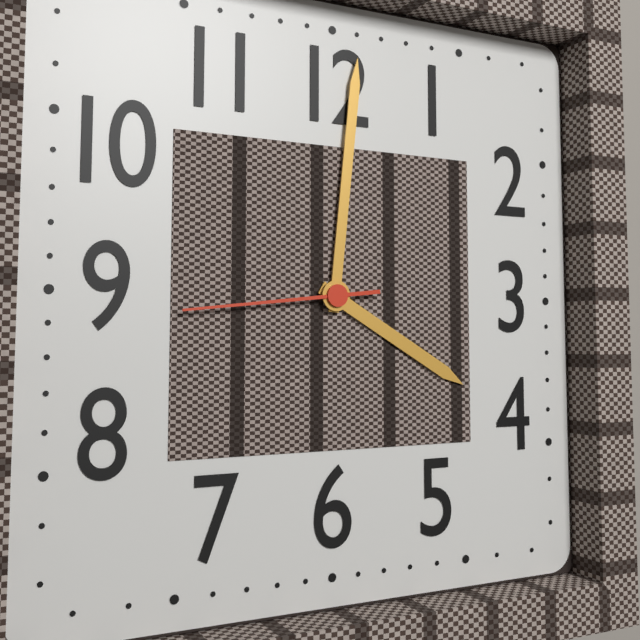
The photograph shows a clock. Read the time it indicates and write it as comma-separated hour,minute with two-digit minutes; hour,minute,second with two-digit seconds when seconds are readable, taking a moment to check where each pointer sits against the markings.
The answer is 4,01,44
